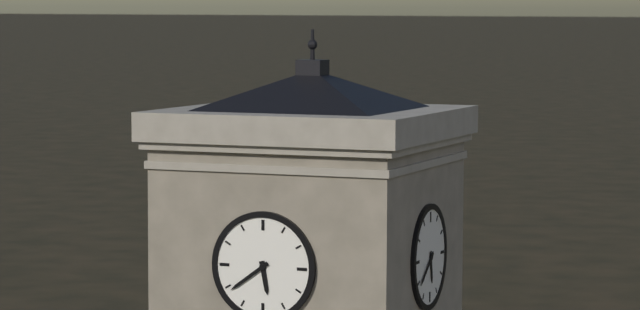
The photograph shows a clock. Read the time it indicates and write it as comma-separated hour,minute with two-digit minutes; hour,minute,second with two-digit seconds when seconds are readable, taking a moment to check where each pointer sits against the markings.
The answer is 5,39
